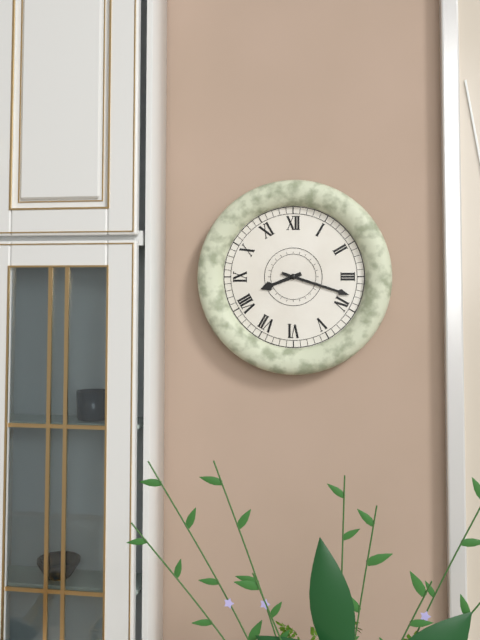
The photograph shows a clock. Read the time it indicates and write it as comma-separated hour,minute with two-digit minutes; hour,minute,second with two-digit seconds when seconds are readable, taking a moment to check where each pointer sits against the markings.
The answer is 8,18
